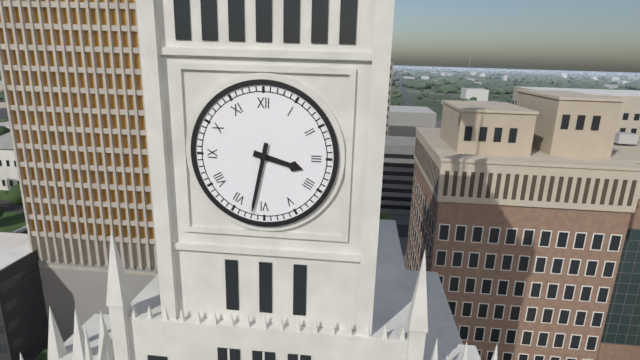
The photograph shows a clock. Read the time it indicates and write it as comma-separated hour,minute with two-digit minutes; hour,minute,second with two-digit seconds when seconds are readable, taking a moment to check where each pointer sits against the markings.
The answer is 3,32
